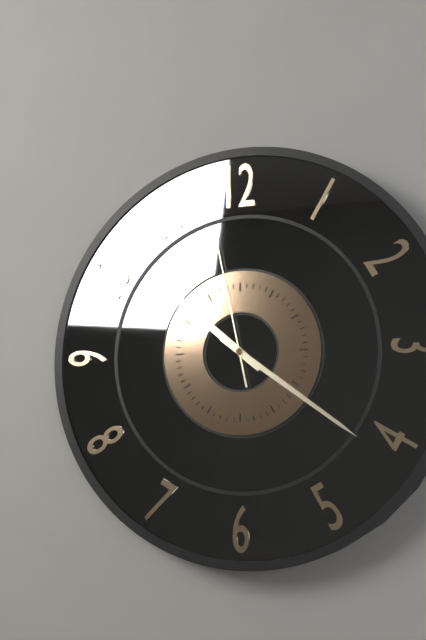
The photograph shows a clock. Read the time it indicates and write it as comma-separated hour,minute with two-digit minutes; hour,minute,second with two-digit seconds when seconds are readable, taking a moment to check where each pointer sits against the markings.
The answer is 10,21,58
